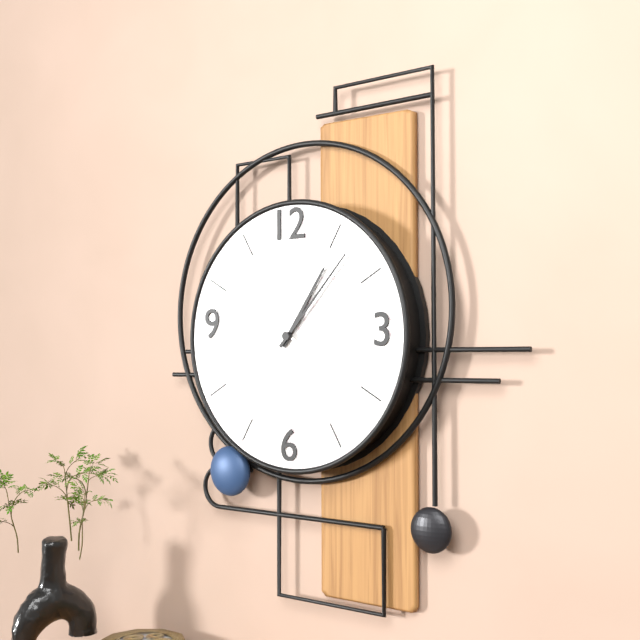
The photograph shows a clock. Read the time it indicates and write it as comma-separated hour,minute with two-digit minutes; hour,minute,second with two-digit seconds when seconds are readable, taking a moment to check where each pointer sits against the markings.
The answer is 1,07,19
